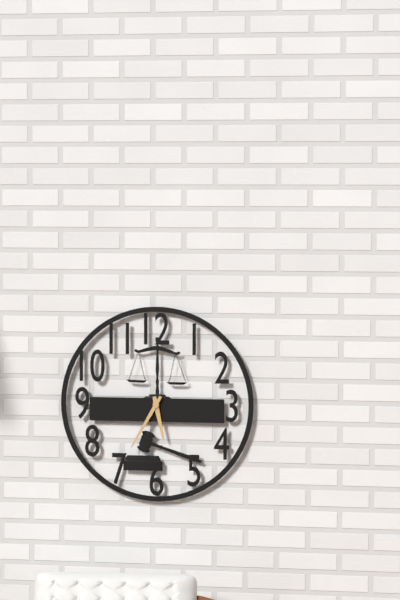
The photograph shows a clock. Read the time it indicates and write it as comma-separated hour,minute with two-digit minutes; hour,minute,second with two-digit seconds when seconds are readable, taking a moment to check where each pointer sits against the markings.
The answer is 5,35
